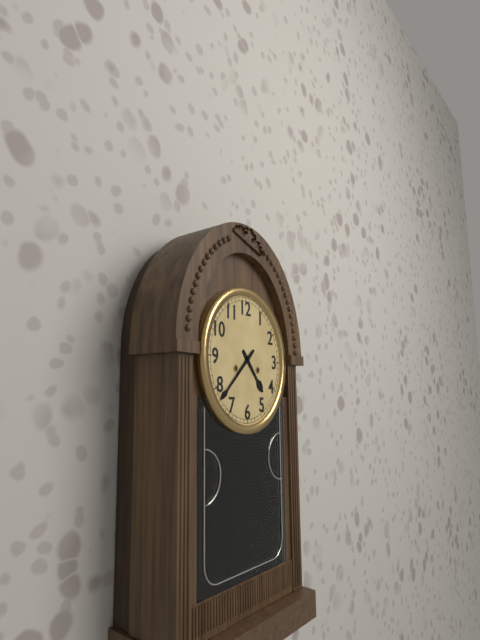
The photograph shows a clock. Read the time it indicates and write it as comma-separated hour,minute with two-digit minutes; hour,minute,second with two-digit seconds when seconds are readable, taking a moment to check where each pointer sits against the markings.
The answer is 4,38
